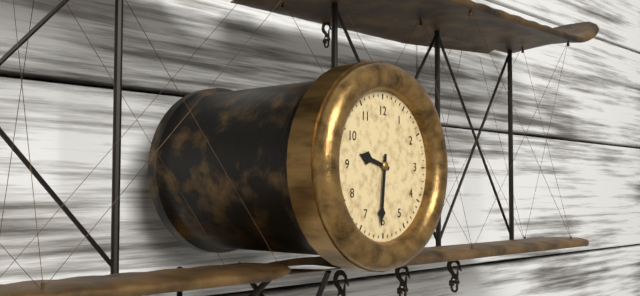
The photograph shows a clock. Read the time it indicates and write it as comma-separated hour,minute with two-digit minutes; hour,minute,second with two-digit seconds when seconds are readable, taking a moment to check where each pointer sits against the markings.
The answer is 9,31
